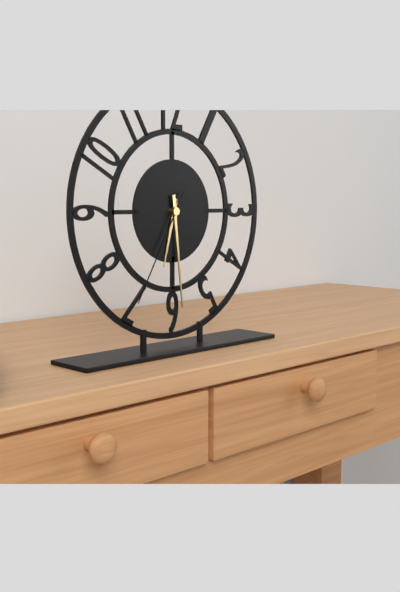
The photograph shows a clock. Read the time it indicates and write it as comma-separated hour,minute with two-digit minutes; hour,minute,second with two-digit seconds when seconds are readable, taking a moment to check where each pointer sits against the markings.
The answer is 6,29,35
